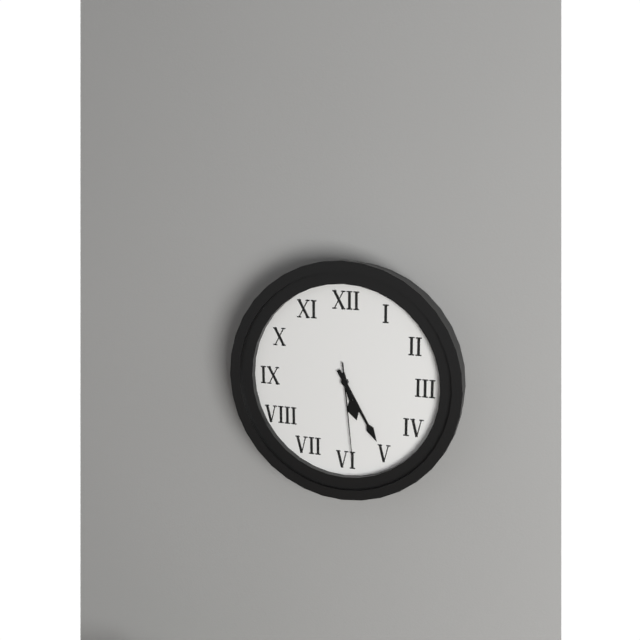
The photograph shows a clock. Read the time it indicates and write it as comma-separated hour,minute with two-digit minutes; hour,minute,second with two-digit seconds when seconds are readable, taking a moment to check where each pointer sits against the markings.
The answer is 5,25,29
